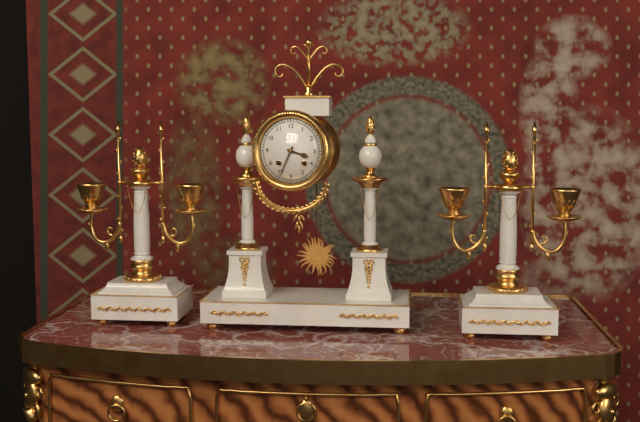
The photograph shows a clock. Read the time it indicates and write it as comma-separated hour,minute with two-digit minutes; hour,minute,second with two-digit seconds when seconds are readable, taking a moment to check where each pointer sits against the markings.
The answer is 3,34
